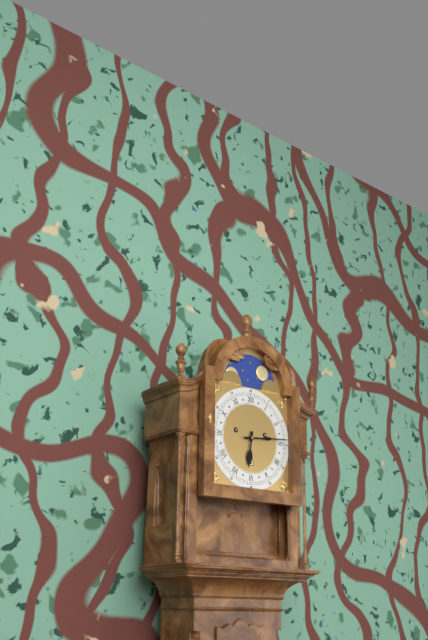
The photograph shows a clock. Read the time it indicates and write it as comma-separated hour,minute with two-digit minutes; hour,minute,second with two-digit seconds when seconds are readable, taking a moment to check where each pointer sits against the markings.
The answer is 6,14
